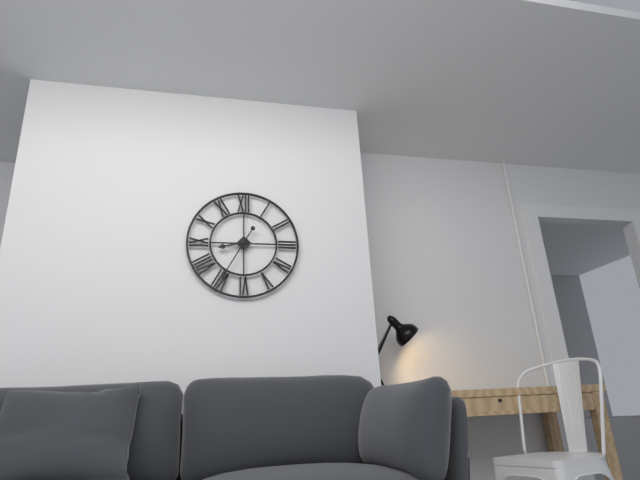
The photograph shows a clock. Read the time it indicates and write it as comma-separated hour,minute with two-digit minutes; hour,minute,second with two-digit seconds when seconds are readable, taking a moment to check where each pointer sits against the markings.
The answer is 8,35
